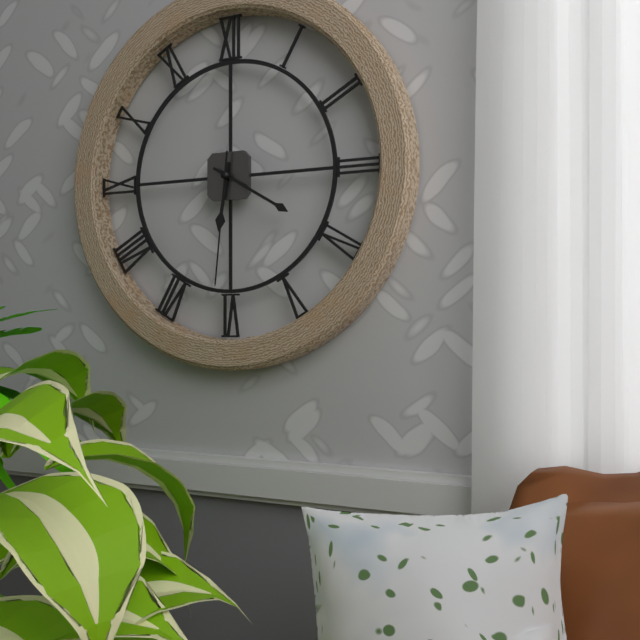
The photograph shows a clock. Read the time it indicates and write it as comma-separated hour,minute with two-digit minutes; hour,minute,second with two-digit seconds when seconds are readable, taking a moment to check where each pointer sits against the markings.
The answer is 6,20,31
